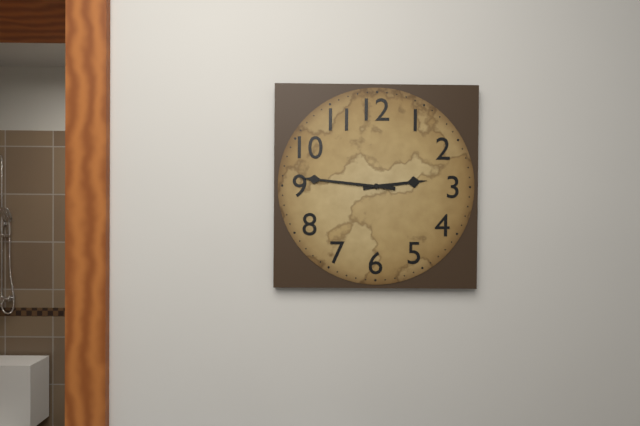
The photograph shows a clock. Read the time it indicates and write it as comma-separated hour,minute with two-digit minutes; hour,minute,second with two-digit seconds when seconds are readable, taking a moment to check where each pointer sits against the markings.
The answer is 2,46
